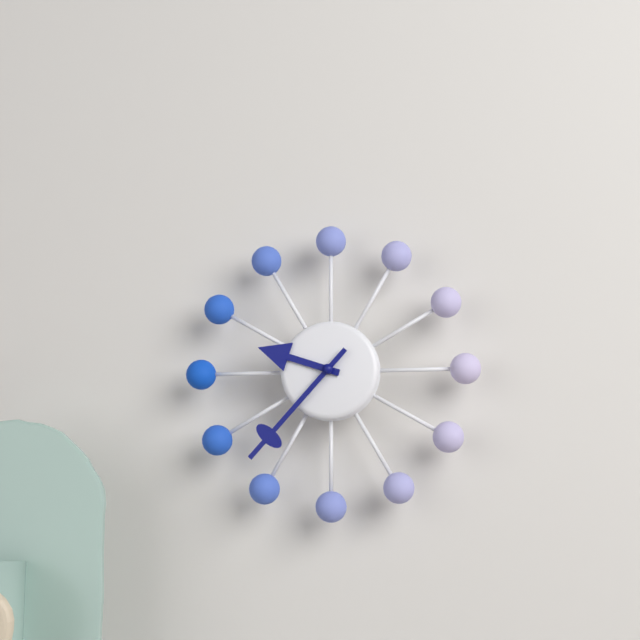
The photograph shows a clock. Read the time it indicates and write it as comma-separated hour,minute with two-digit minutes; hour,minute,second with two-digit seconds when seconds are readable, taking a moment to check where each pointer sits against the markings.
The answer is 9,37
